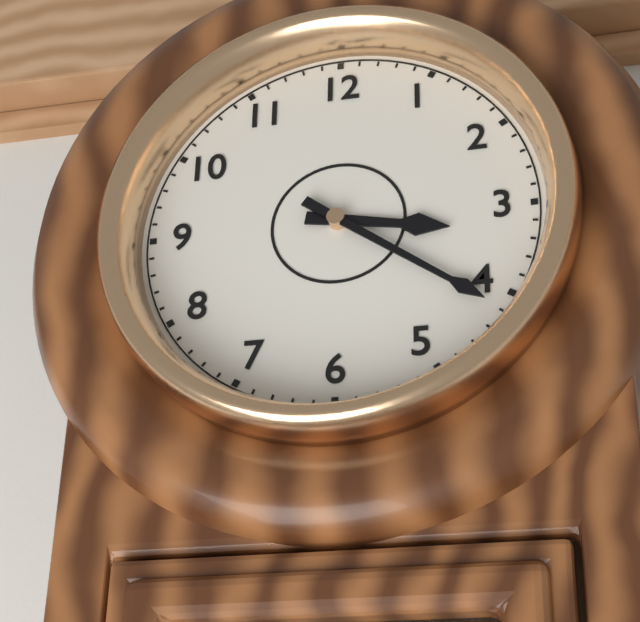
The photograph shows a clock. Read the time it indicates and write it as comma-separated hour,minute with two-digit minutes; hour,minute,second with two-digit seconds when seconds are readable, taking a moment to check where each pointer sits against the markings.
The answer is 3,21
